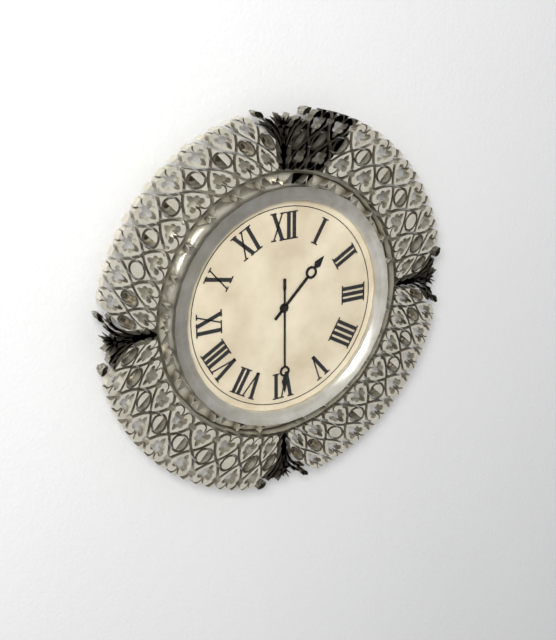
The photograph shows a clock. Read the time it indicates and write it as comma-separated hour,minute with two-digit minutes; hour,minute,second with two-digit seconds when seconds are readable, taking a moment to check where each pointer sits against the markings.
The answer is 1,30
